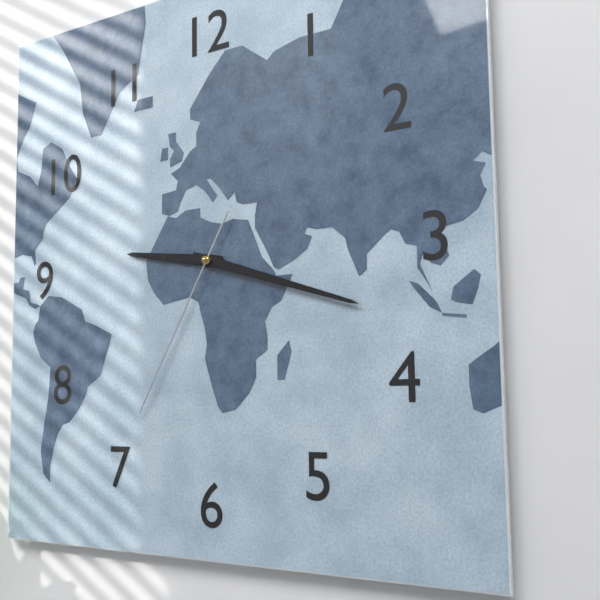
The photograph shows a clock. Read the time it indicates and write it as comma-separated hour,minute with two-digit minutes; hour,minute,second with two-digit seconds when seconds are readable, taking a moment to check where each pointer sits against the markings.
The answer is 9,18,35
